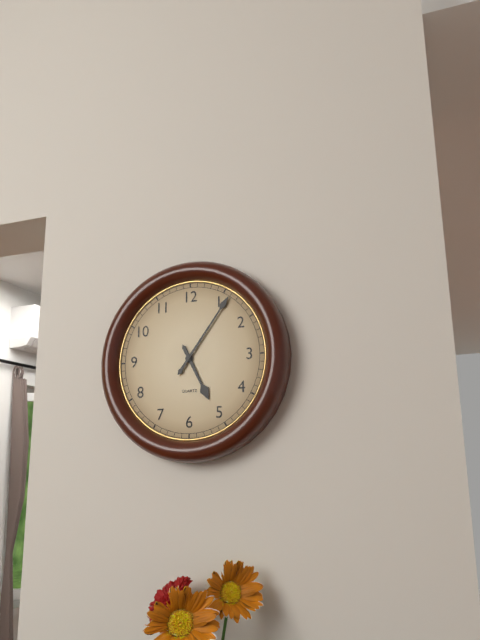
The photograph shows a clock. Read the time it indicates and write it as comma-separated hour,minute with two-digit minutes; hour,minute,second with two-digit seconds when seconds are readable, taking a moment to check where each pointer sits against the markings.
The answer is 5,06
